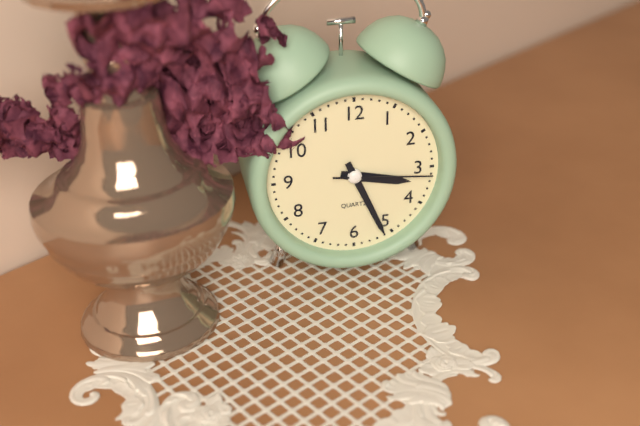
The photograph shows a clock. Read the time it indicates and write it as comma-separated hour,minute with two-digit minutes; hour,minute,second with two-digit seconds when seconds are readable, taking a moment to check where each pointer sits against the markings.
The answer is 3,26,16
